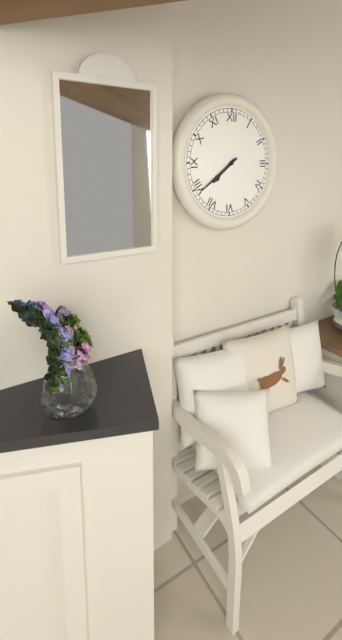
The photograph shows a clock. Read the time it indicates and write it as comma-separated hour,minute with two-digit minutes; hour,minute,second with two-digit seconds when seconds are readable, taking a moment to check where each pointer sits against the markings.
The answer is 7,39
